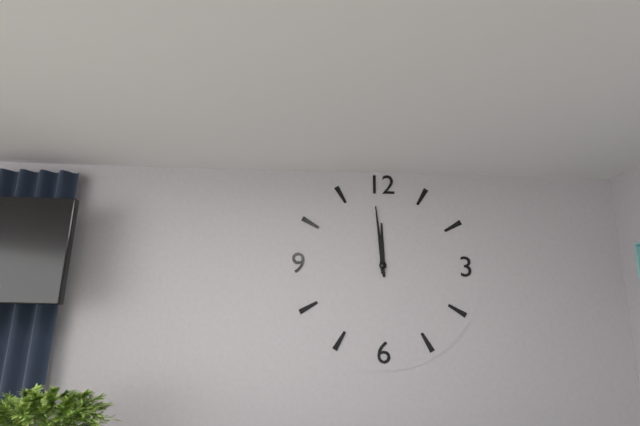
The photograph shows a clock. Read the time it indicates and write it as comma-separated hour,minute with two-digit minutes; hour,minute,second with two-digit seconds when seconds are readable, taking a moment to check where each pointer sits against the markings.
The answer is 11,59
